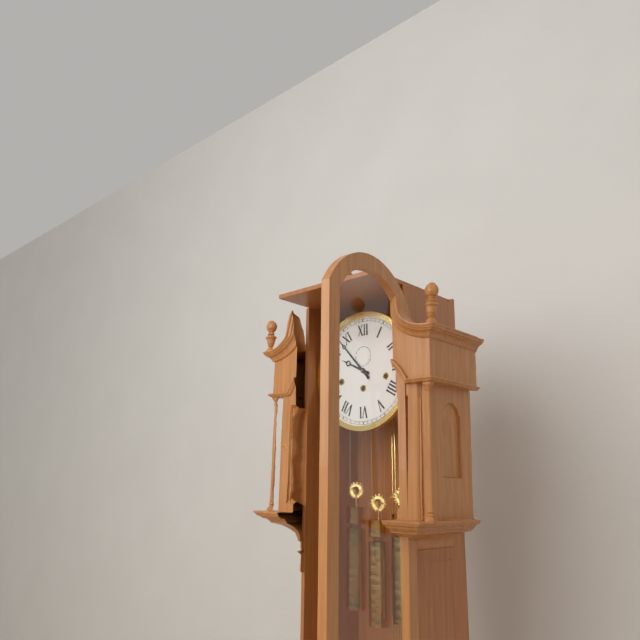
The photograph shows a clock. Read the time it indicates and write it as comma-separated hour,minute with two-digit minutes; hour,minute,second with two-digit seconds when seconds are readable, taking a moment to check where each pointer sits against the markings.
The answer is 9,53
